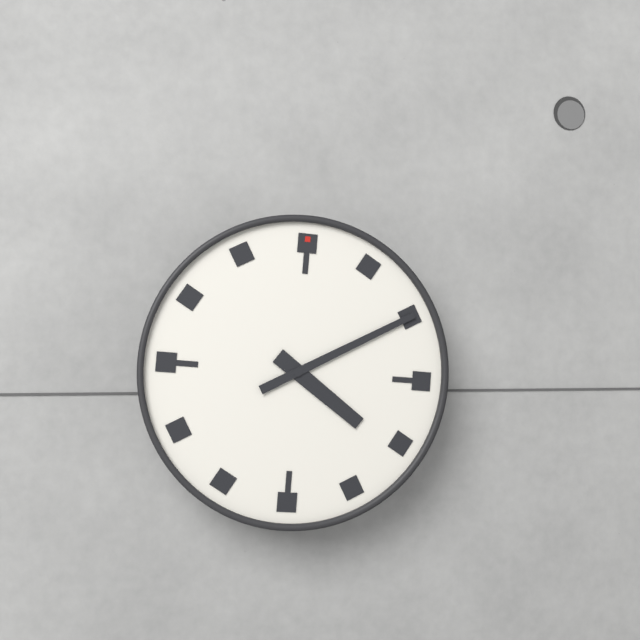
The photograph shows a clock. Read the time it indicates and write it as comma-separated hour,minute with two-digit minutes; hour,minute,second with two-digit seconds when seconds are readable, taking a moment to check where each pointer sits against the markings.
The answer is 4,10
